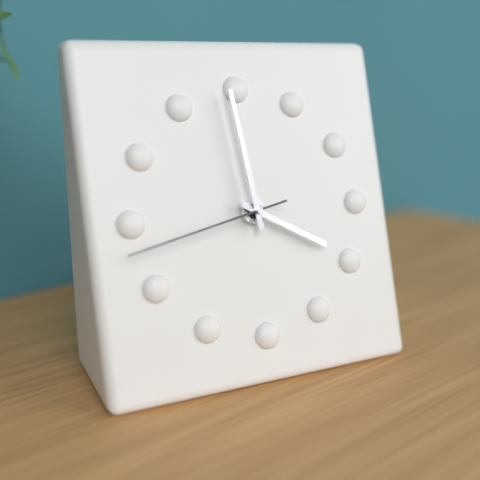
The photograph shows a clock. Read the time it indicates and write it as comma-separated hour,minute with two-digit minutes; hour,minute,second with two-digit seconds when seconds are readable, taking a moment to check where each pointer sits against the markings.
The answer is 3,59,43
